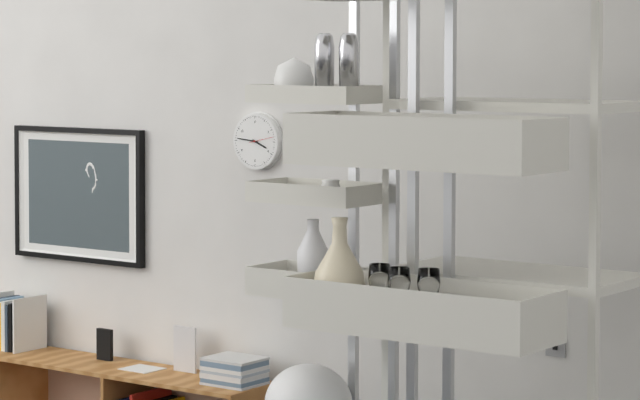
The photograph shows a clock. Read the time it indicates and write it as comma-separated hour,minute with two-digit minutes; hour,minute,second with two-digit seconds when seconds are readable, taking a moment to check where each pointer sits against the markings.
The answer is 3,46
